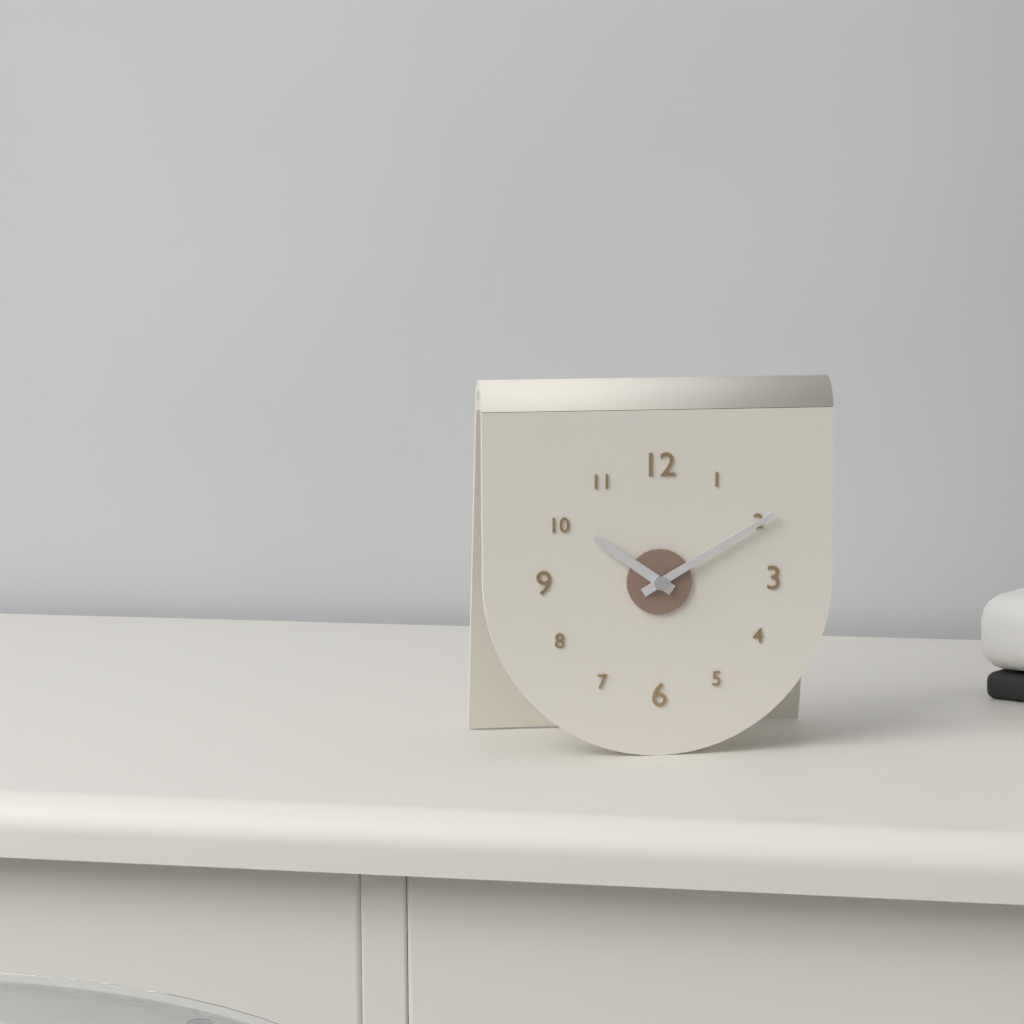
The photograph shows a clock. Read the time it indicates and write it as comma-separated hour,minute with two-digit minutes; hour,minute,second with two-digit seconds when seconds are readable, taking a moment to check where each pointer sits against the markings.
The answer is 10,10
